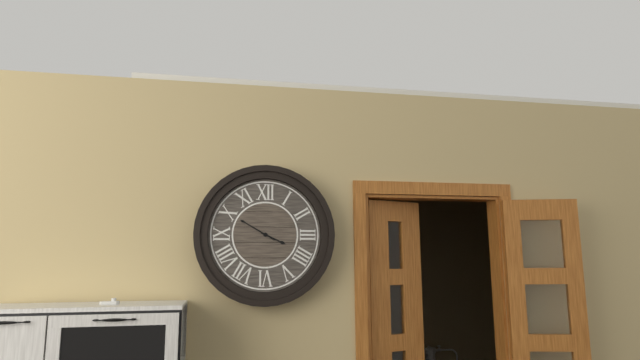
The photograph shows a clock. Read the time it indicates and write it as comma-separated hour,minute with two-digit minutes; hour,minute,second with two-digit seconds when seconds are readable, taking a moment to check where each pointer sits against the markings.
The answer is 3,50
